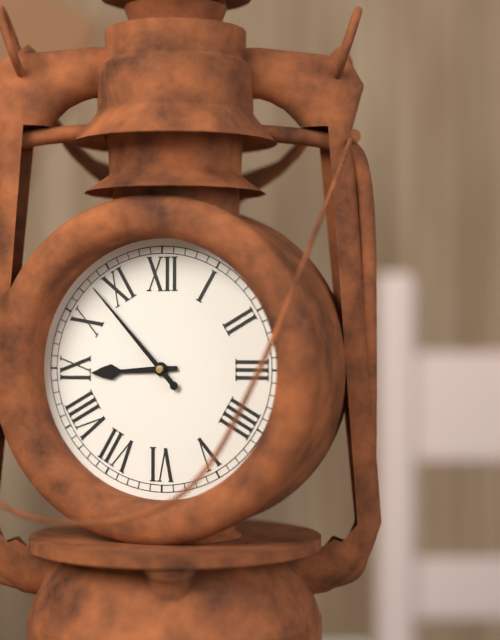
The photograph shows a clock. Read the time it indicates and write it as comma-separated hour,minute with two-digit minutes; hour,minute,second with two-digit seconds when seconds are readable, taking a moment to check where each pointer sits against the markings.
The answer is 8,53
